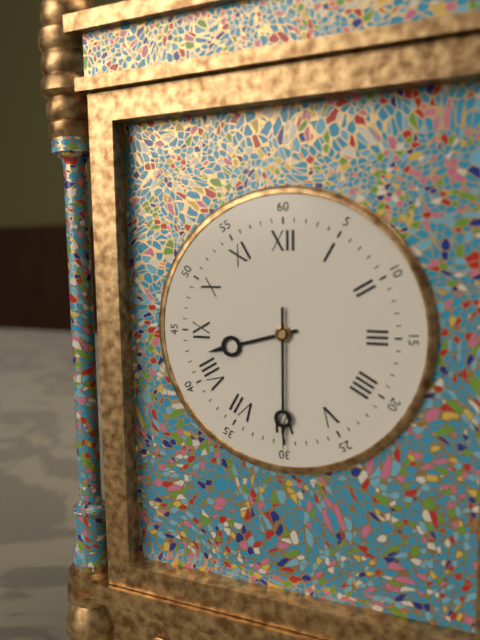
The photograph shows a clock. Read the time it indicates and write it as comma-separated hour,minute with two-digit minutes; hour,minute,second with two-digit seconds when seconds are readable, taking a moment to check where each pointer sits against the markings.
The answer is 8,30
